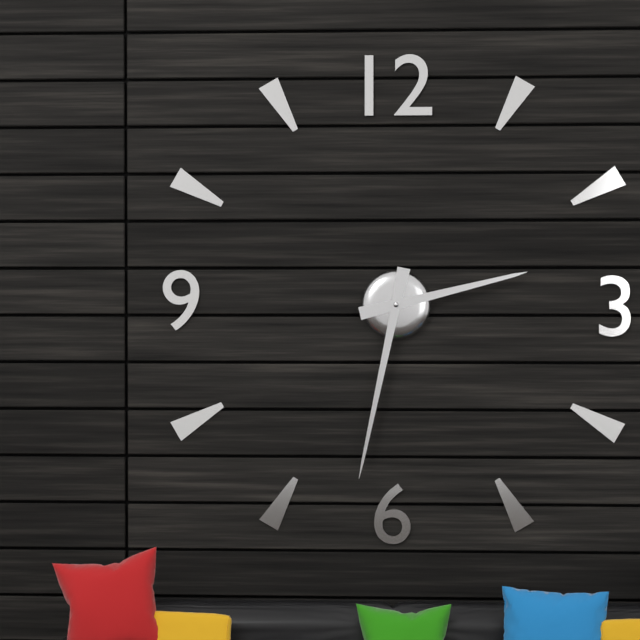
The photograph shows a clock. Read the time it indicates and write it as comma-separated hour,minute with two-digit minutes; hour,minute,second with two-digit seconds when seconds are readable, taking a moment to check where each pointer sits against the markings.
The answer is 2,32
